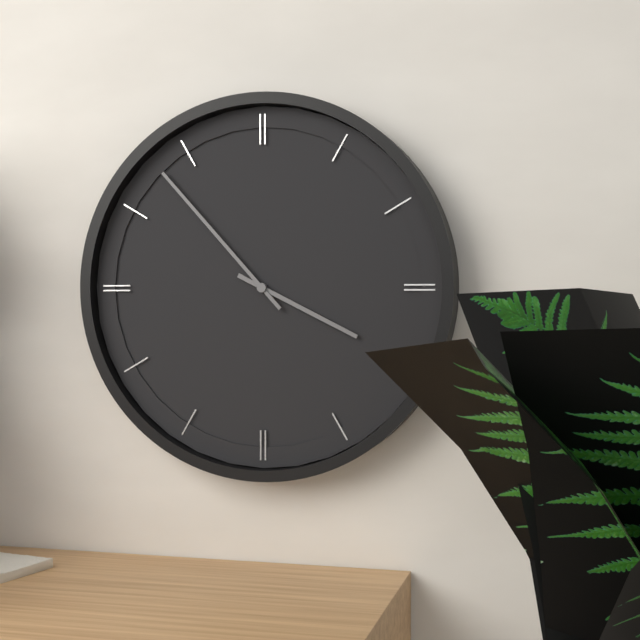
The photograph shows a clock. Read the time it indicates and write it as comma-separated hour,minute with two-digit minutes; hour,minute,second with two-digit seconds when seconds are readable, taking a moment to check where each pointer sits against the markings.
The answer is 3,53
